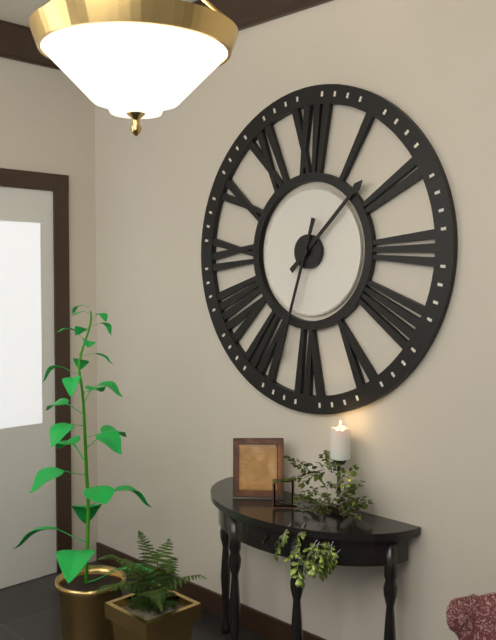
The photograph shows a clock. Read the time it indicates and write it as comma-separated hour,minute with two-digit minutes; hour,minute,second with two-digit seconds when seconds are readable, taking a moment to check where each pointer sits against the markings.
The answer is 1,33
